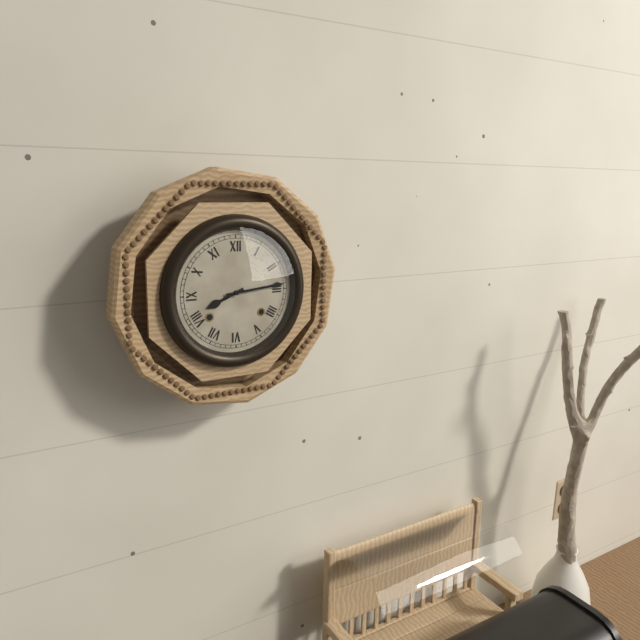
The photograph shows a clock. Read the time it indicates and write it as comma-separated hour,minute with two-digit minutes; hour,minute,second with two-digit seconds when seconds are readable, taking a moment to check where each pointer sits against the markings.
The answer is 8,14
